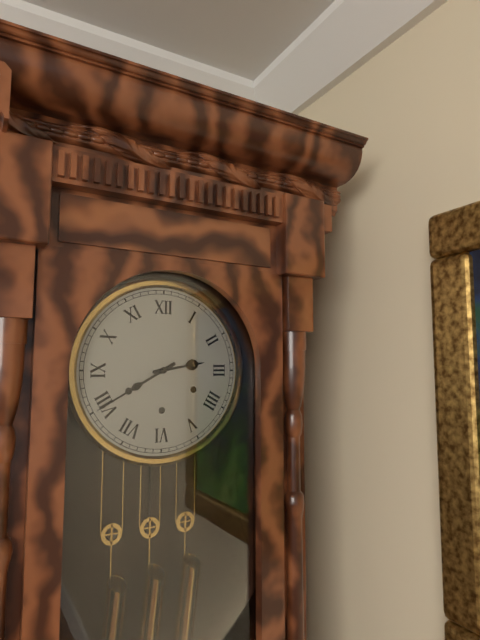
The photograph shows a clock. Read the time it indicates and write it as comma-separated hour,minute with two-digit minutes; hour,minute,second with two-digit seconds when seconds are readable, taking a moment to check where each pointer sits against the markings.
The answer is 2,40
